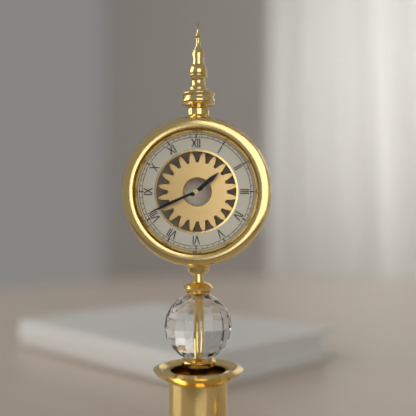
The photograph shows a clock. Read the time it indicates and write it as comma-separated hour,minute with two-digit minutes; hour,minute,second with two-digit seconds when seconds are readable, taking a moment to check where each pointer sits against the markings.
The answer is 1,41
